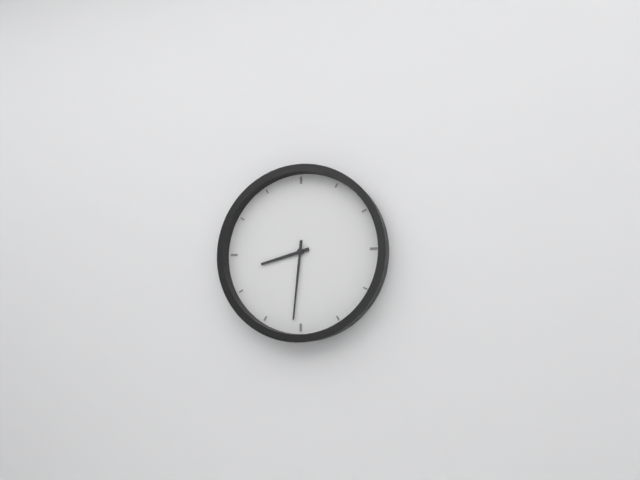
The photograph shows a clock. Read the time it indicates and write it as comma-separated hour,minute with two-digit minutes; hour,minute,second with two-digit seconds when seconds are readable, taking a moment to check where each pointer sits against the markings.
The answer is 8,31
